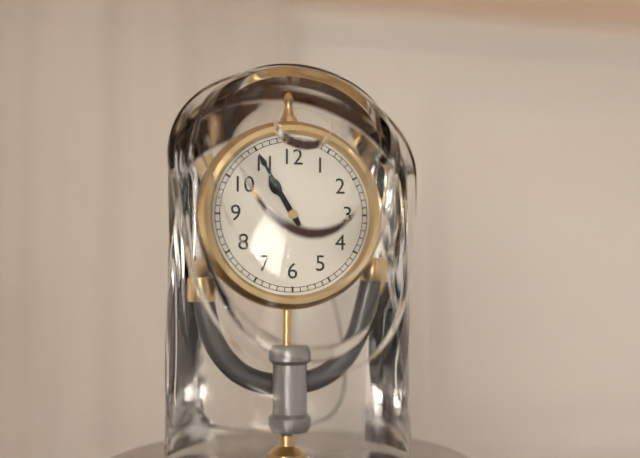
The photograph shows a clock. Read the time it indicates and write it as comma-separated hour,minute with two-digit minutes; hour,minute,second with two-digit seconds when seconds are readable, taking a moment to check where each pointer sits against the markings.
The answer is 10,55
